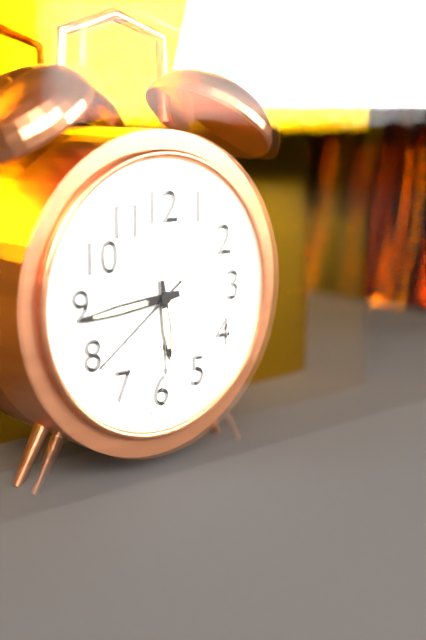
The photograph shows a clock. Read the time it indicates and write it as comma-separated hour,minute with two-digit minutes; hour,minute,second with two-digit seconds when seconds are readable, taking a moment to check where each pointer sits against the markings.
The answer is 5,44,39
